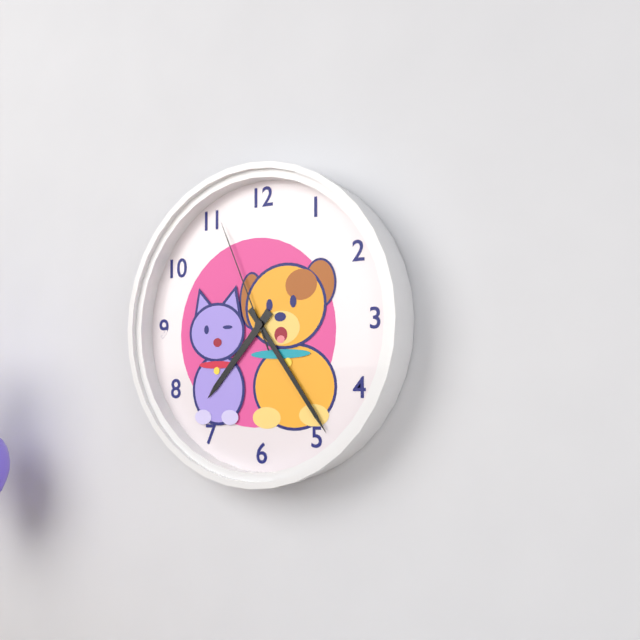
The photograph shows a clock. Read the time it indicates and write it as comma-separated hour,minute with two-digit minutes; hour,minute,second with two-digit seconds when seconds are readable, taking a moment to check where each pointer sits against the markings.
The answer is 7,24,56
